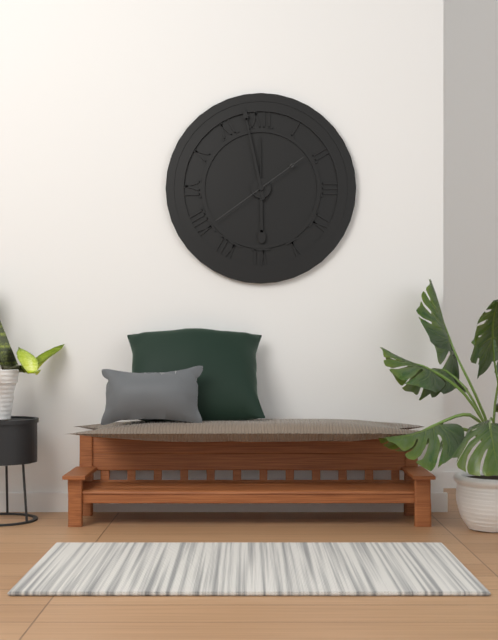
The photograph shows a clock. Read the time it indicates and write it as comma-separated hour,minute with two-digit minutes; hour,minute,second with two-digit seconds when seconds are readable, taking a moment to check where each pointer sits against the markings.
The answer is 5,58,39
